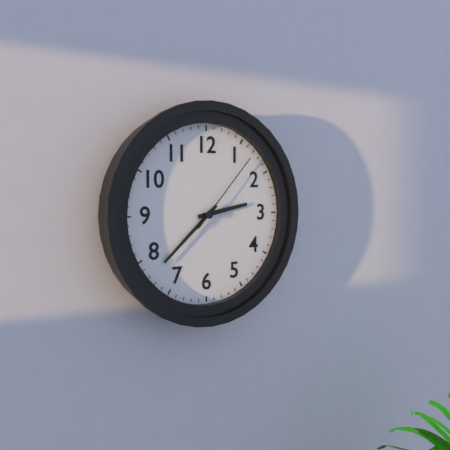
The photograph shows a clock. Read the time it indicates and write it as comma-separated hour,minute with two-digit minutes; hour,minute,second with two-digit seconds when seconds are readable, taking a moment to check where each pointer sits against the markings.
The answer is 2,38,07
